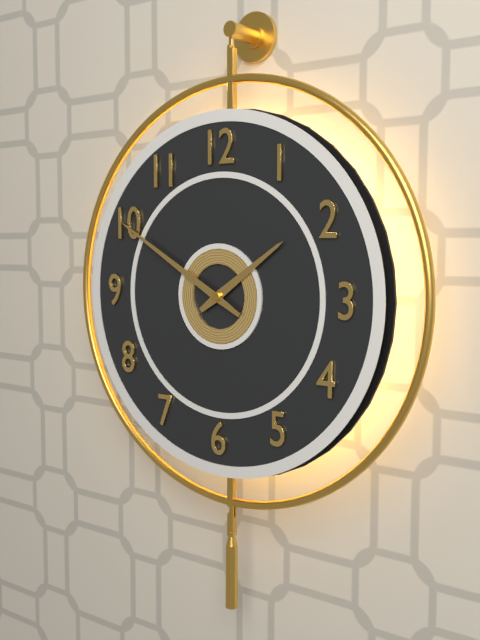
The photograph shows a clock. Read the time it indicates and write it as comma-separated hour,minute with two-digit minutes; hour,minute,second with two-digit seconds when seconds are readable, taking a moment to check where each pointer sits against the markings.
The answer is 1,50
